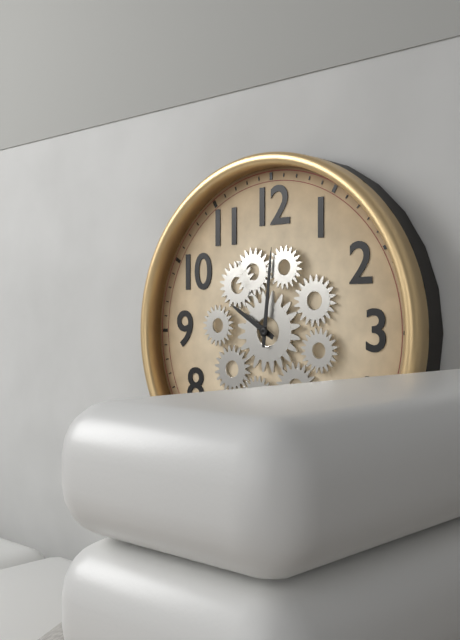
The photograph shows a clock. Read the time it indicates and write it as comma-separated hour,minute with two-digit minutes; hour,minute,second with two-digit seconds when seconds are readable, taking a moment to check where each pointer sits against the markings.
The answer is 10,01
